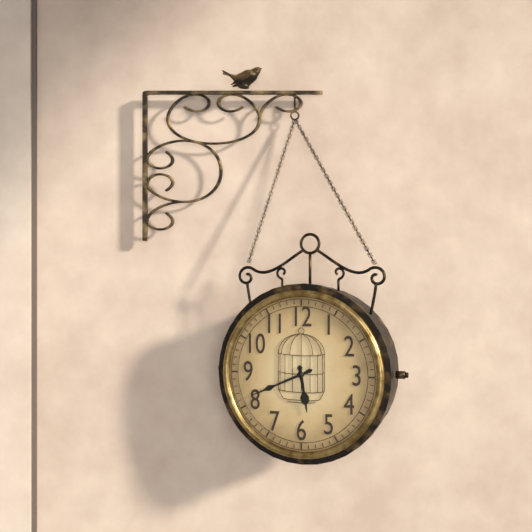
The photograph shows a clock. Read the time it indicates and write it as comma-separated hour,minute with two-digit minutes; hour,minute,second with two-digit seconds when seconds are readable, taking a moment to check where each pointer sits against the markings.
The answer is 5,41
